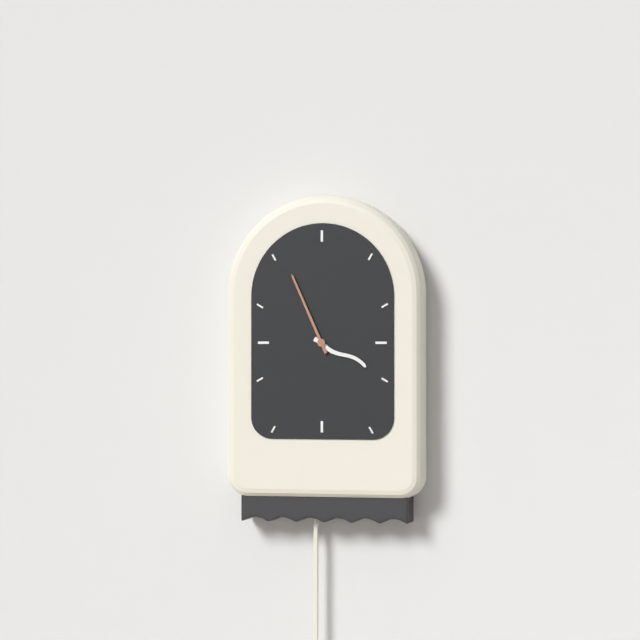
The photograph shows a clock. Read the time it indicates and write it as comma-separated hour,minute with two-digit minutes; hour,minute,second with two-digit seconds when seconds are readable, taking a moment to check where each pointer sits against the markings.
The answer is 3,56
